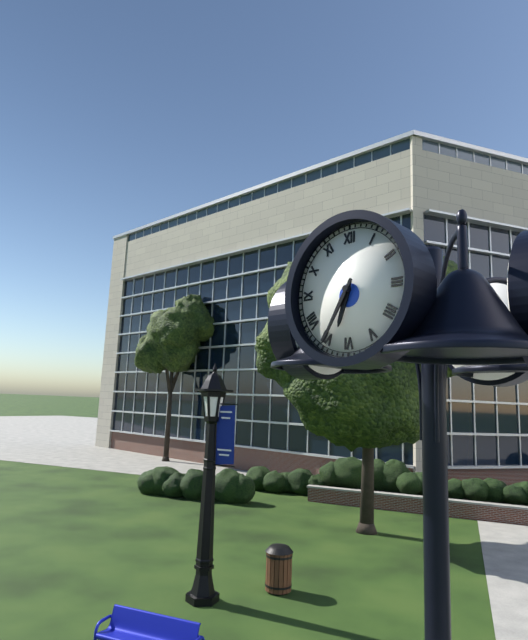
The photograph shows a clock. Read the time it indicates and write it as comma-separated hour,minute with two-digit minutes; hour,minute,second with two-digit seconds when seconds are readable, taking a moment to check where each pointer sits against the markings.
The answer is 6,35
